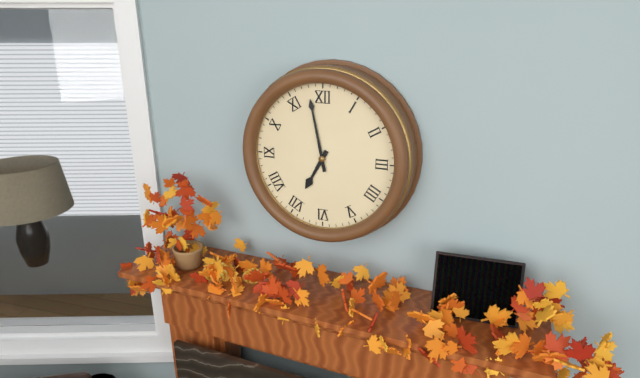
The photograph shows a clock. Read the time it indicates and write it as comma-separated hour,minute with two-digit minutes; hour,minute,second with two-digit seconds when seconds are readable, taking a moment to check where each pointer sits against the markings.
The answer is 6,58
